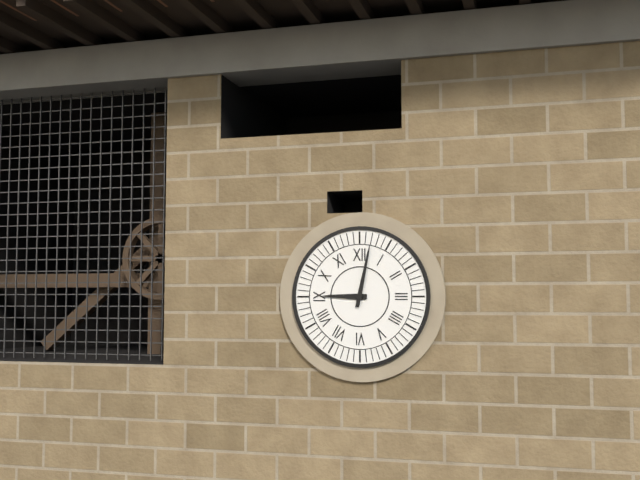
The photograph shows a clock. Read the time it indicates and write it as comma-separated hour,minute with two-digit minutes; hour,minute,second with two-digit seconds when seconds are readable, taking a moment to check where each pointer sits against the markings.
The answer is 9,02
